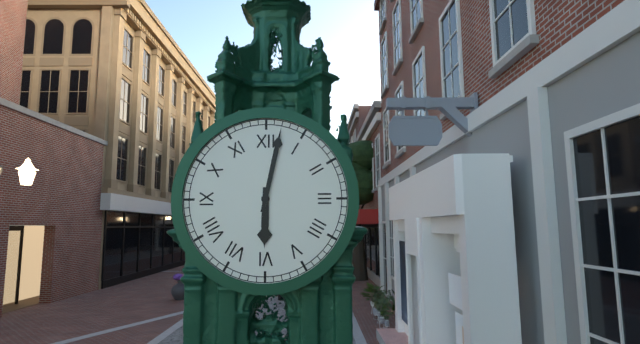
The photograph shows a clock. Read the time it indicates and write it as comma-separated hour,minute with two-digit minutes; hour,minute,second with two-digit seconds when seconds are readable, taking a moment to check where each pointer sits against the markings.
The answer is 6,02
